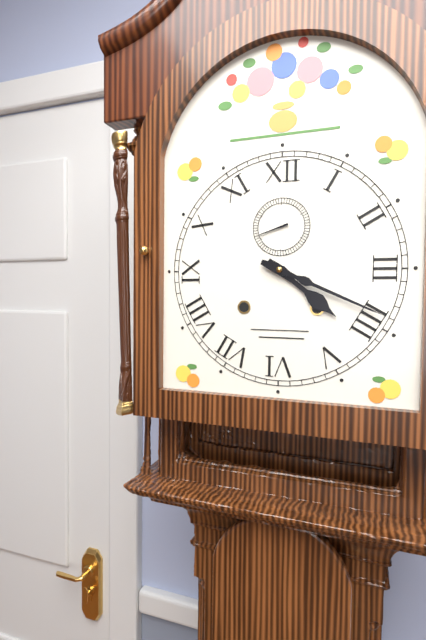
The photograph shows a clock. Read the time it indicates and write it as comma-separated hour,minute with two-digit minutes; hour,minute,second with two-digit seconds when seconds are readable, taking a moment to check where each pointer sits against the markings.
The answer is 4,19
